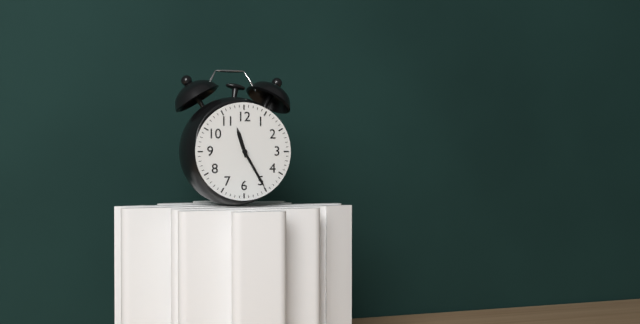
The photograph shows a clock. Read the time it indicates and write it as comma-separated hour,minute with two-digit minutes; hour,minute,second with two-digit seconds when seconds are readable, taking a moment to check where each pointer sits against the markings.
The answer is 11,25
